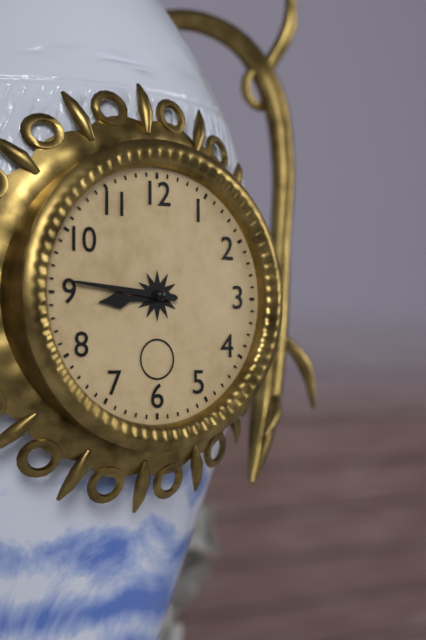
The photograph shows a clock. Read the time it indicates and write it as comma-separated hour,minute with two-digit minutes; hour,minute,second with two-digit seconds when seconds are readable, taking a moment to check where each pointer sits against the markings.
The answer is 8,46
